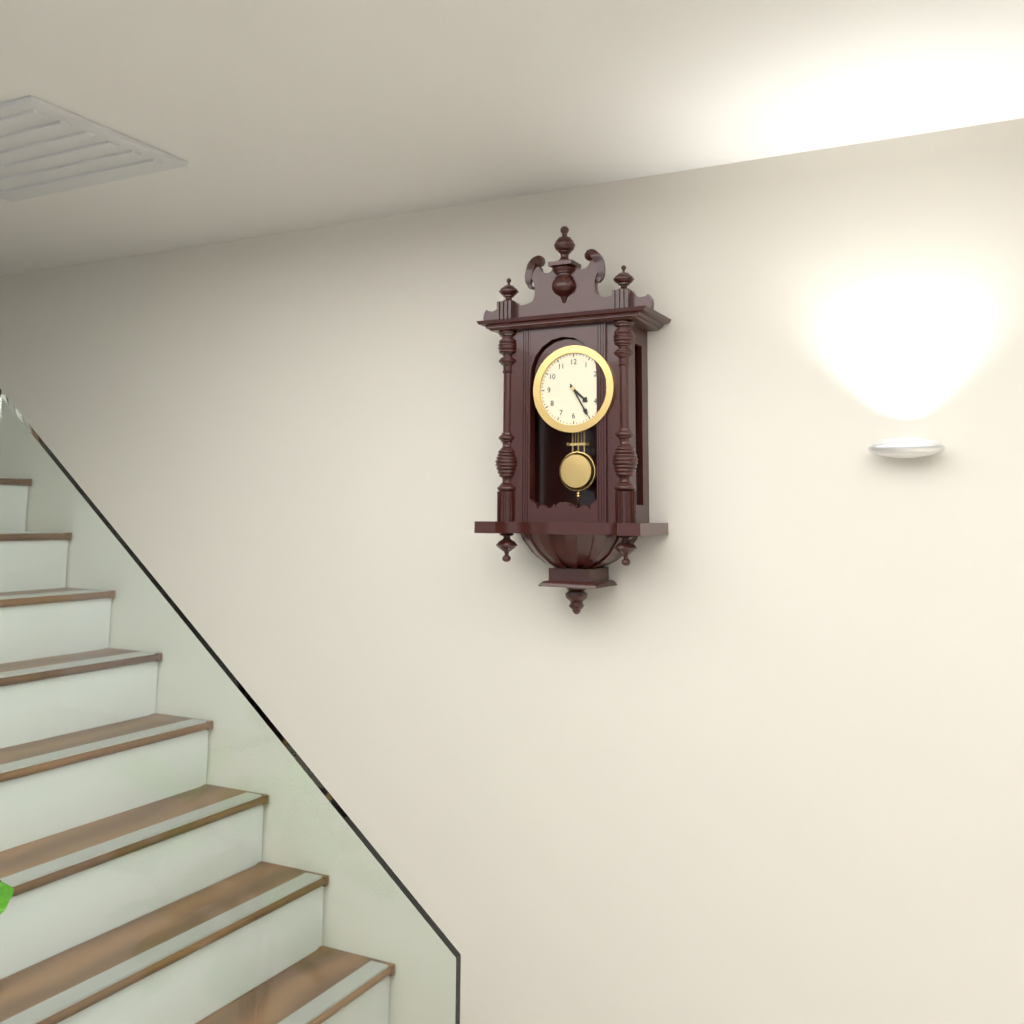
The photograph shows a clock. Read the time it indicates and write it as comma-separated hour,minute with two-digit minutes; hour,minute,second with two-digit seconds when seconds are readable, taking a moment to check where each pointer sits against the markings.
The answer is 4,25
